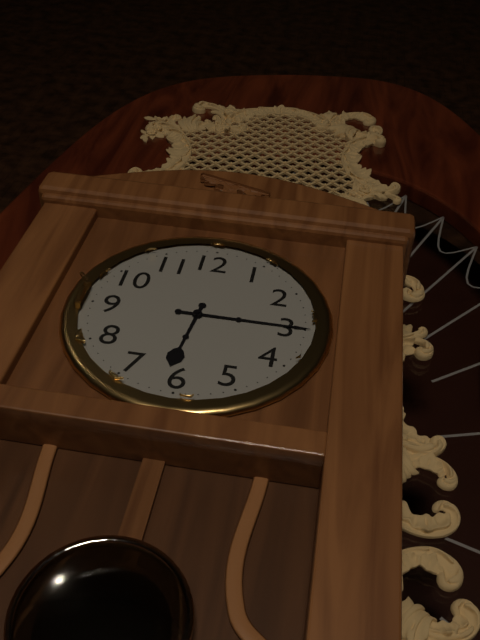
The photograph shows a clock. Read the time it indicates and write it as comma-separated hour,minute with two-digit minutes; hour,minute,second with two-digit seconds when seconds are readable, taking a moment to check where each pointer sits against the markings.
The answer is 6,15
